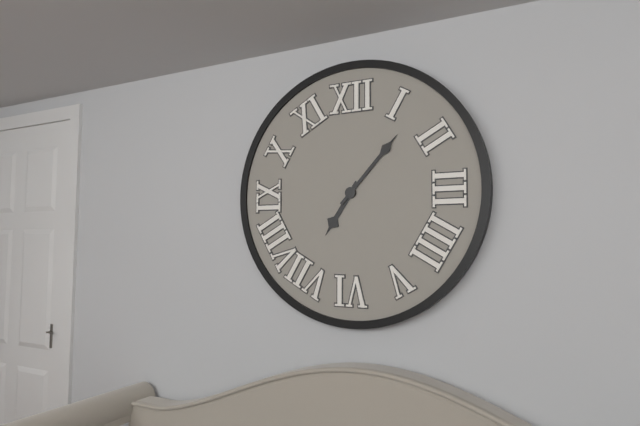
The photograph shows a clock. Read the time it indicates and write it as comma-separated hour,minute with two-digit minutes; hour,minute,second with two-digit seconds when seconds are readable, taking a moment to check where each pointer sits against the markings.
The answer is 7,07
